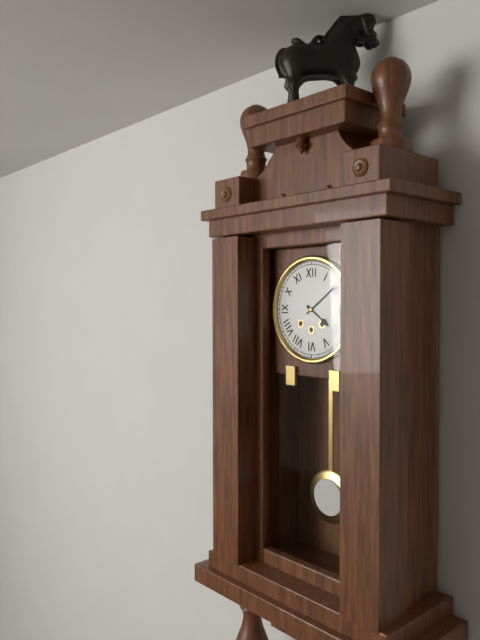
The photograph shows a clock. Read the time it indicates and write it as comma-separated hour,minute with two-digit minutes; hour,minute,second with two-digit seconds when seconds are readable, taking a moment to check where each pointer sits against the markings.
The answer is 4,09
